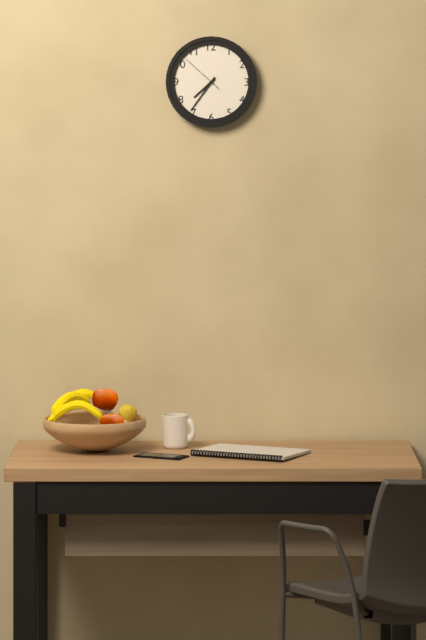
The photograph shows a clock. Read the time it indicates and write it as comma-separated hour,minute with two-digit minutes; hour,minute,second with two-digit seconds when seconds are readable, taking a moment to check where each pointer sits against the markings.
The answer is 7,36
